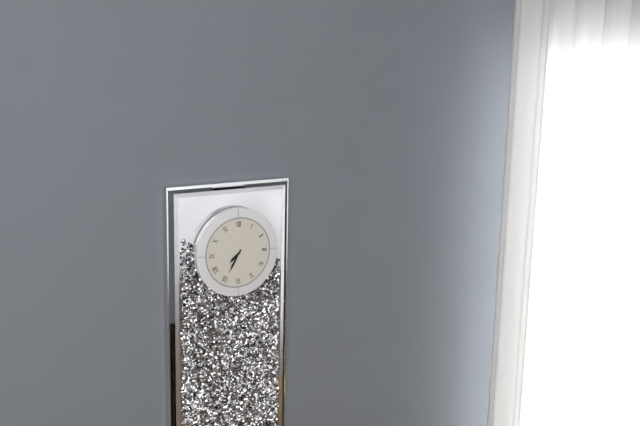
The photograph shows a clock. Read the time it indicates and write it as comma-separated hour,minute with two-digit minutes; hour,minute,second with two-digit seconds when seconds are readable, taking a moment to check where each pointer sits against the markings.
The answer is 7,35
